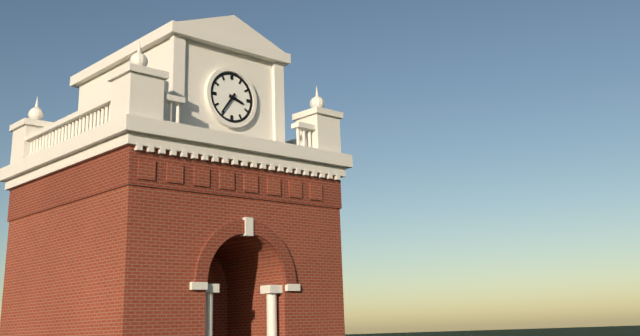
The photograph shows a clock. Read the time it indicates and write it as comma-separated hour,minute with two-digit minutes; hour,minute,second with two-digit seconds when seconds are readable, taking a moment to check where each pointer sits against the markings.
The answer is 3,36
